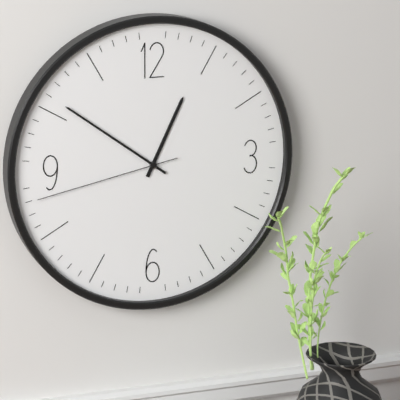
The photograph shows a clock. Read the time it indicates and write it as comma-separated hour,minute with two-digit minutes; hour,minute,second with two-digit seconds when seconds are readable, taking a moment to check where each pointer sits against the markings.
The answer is 12,51,43
